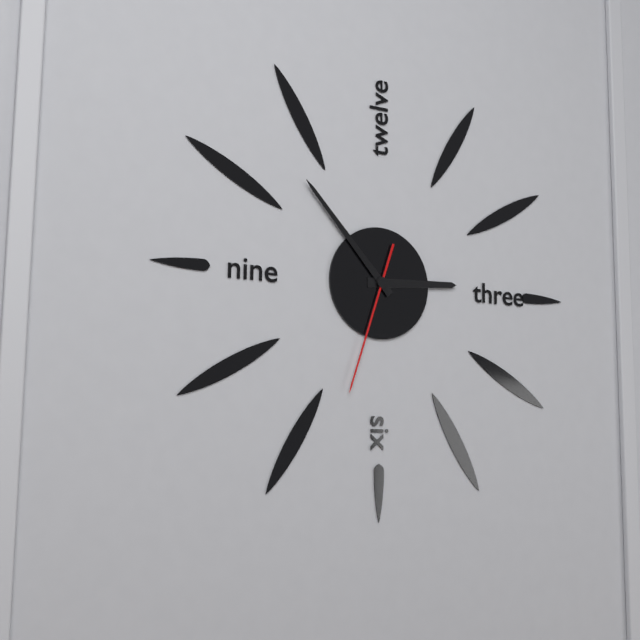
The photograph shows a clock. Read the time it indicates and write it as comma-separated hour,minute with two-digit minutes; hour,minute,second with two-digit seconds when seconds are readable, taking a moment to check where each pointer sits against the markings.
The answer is 2,53,33
